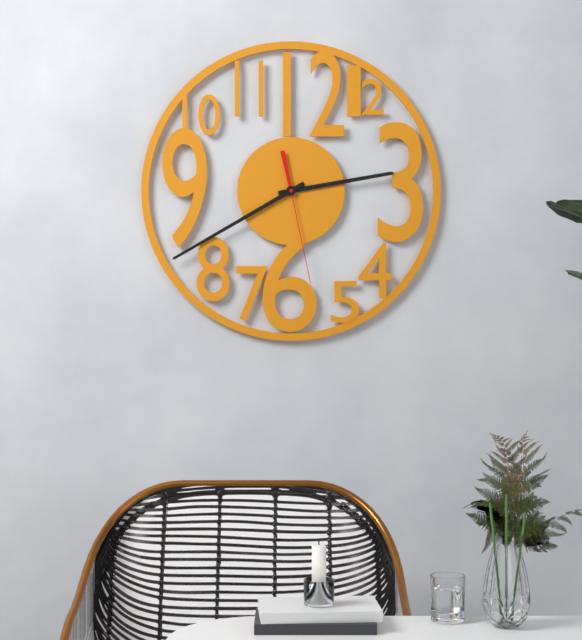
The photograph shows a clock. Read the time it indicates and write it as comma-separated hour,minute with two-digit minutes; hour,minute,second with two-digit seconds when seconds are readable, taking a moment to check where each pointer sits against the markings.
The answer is 2,40,28
